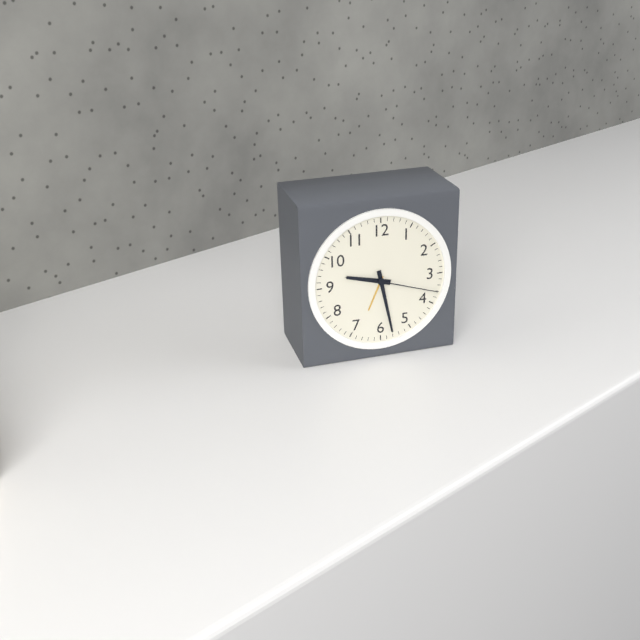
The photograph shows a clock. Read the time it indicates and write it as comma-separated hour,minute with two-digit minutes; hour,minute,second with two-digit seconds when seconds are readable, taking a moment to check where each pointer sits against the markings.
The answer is 9,28,18
